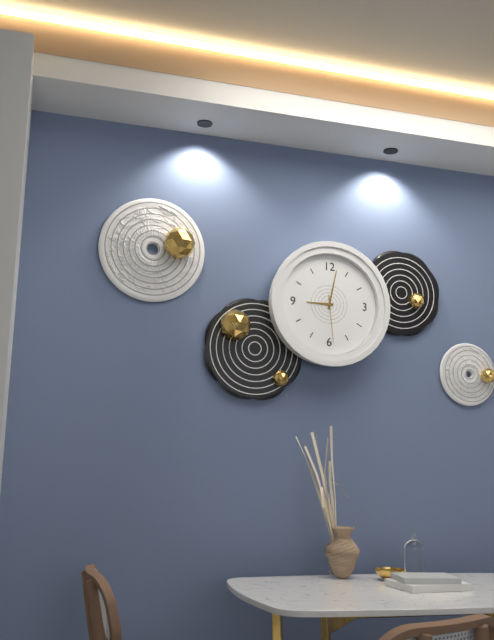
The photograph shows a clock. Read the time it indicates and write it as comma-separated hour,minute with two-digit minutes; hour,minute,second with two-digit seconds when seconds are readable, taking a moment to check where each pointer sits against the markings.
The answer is 9,02
